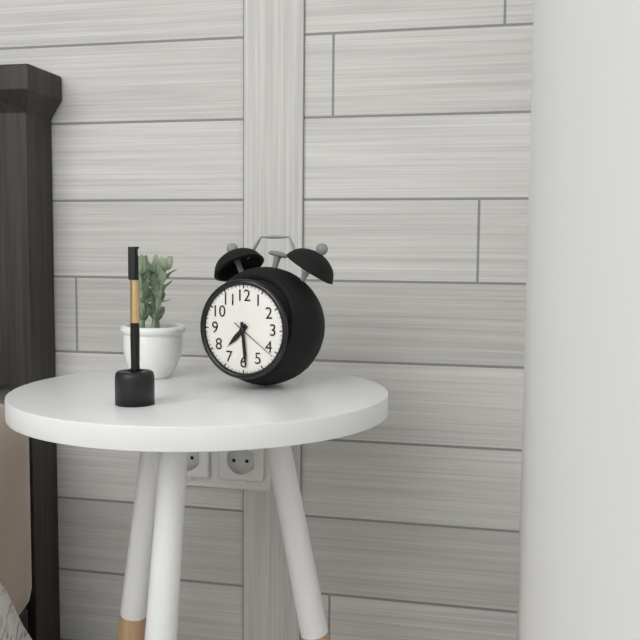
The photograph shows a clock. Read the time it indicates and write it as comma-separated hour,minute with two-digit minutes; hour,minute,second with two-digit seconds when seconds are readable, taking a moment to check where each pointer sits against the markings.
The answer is 7,29,21
